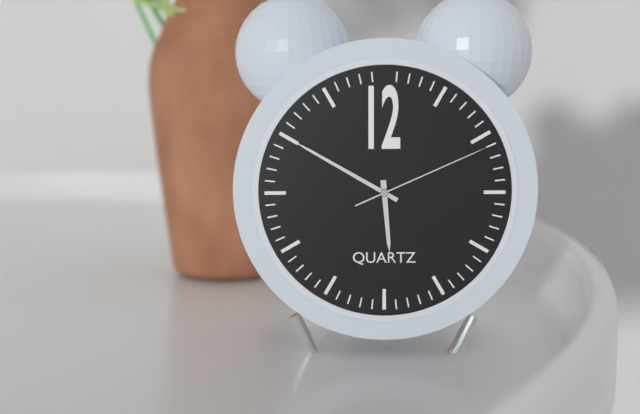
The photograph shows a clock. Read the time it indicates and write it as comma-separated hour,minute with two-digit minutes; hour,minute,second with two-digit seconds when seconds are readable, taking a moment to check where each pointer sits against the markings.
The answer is 5,50,11
